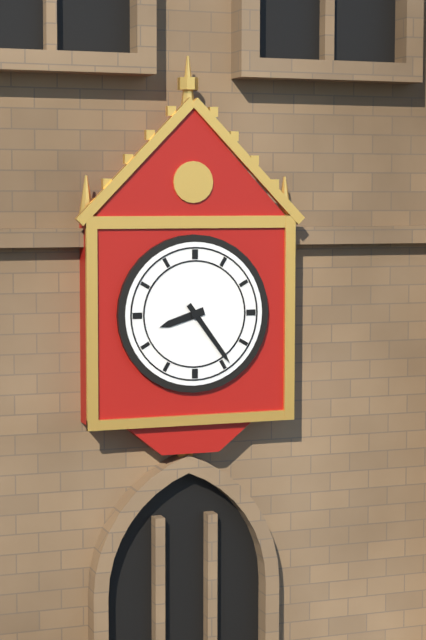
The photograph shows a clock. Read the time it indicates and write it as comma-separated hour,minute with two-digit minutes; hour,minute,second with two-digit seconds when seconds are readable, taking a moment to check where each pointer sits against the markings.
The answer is 8,24
